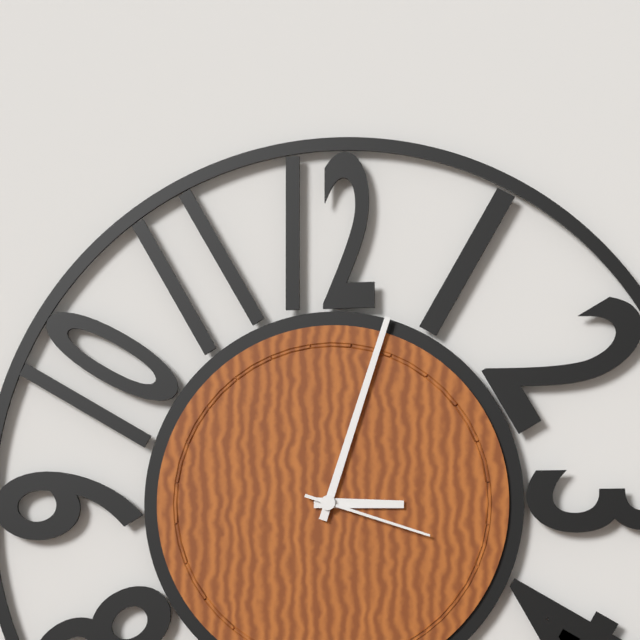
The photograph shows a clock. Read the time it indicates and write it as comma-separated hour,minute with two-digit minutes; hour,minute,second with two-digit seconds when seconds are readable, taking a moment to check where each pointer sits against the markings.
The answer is 3,03,18
